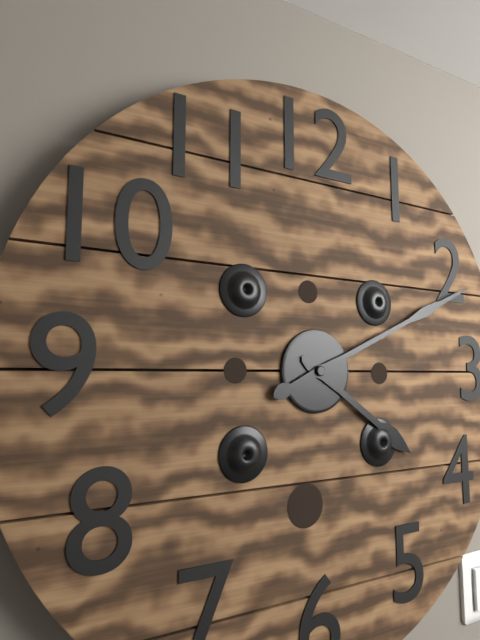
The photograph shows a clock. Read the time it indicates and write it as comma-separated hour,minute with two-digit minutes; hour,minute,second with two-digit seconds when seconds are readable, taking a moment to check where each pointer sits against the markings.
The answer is 4,11
